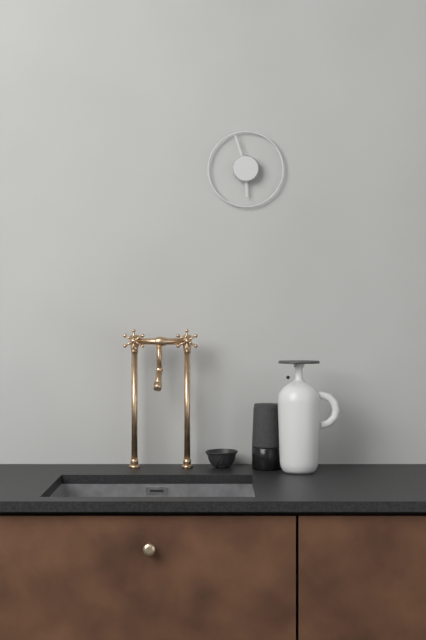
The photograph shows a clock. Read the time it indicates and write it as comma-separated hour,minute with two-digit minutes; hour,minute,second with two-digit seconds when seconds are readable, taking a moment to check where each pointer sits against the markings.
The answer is 5,57
